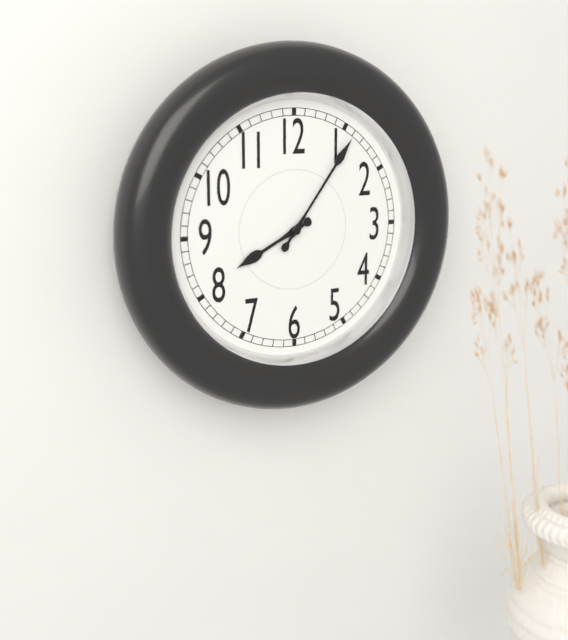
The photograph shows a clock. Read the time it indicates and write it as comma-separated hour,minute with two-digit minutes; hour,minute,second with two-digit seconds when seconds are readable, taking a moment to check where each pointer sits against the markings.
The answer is 8,06
